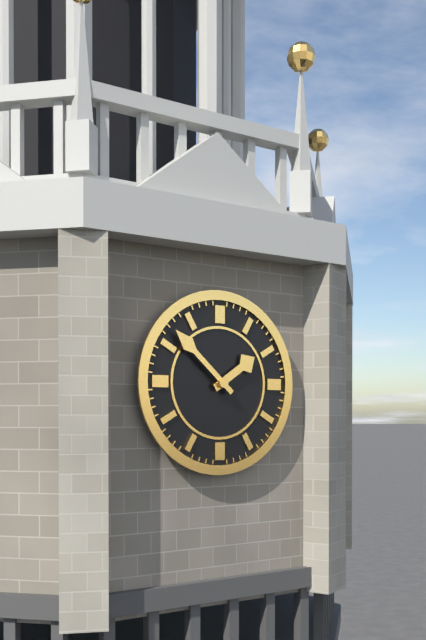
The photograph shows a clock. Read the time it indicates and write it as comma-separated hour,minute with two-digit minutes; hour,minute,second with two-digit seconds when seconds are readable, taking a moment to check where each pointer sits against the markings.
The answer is 1,52
